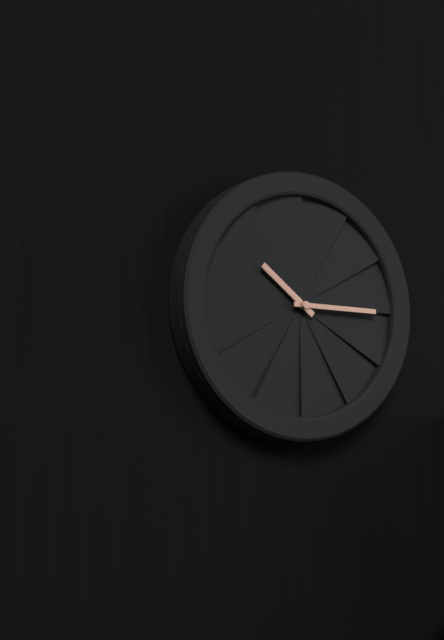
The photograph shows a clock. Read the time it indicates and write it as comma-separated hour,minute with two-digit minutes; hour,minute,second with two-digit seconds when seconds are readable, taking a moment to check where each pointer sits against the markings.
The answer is 10,15
